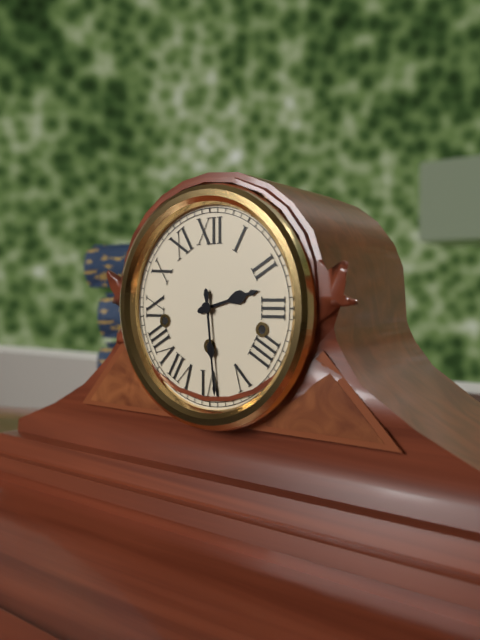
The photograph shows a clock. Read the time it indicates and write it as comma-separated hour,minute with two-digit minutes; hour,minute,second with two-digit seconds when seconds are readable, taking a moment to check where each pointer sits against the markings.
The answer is 2,29
